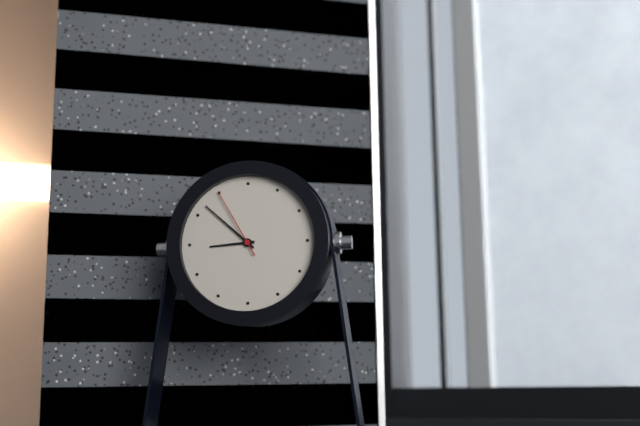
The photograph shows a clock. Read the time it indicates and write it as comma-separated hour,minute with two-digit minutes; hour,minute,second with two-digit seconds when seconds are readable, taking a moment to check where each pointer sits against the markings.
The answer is 8,52,55
